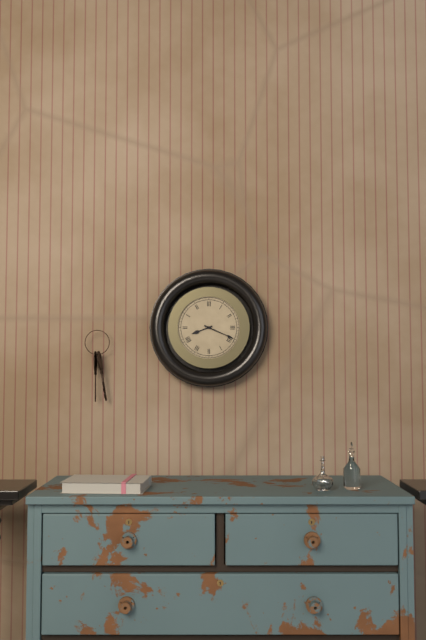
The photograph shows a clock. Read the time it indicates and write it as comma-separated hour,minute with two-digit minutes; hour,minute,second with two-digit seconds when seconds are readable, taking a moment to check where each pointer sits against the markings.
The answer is 8,19
